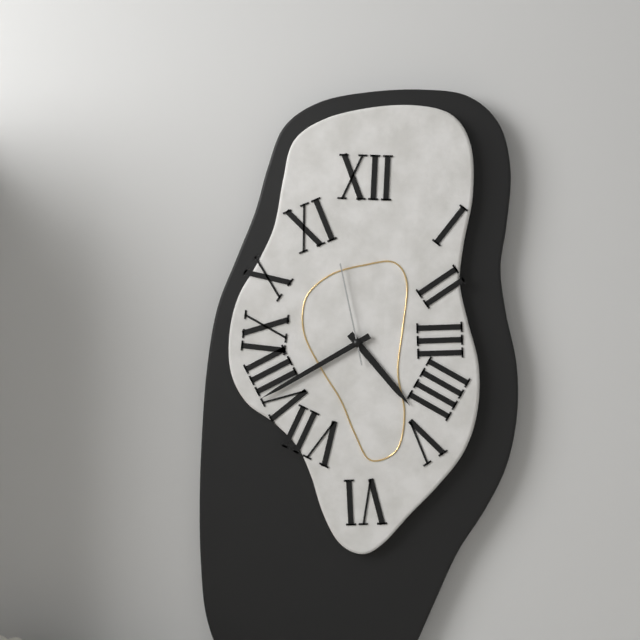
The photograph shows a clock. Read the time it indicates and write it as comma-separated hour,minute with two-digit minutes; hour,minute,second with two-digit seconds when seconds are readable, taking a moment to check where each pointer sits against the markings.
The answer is 4,40,58
